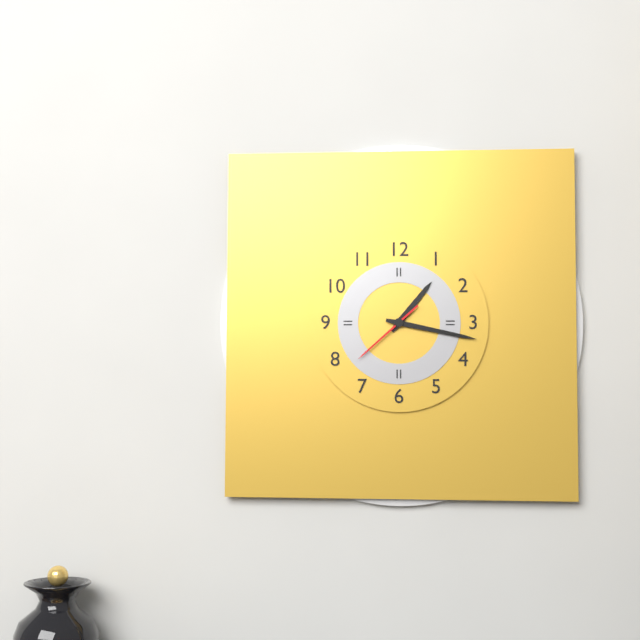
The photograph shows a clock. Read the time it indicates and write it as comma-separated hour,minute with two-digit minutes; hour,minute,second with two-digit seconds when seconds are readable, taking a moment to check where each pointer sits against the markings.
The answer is 1,17,38
